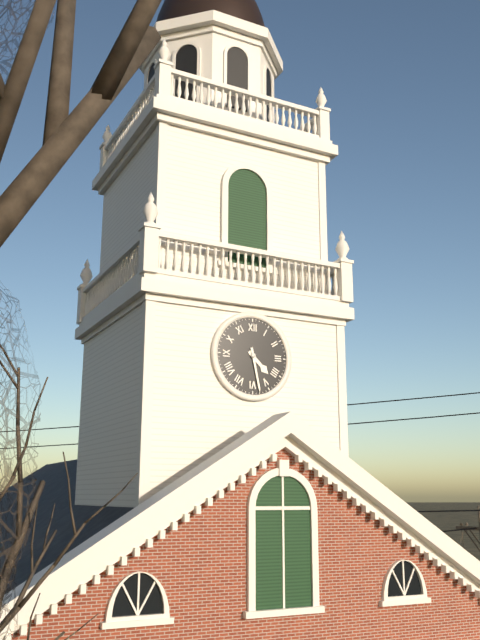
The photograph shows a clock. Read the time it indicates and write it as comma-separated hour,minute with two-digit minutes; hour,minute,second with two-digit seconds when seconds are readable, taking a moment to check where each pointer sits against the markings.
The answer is 4,28
